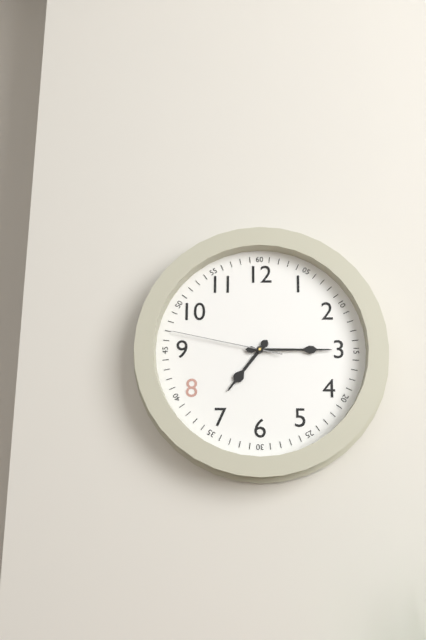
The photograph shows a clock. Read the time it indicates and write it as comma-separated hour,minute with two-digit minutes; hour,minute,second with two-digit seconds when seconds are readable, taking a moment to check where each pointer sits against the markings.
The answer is 7,15,47
